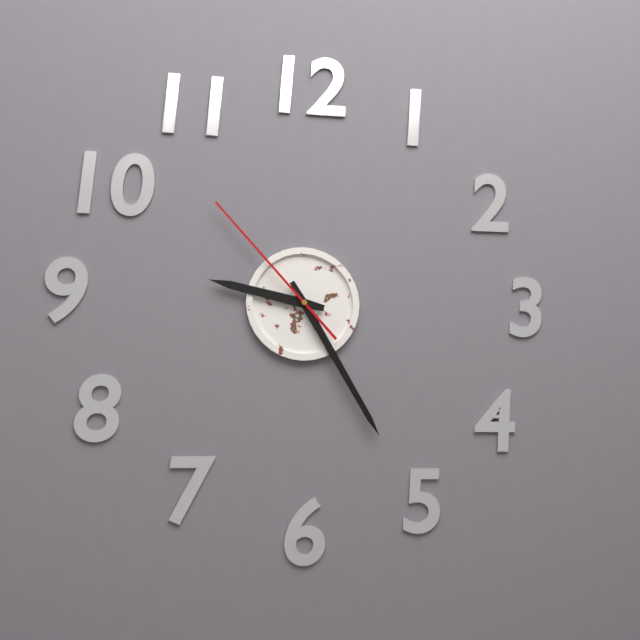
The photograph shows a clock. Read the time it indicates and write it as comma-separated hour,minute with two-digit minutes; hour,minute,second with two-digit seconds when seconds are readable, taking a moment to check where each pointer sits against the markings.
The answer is 9,25,53
